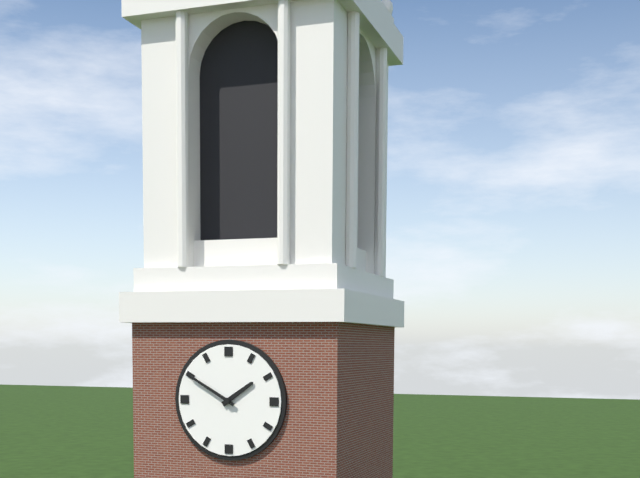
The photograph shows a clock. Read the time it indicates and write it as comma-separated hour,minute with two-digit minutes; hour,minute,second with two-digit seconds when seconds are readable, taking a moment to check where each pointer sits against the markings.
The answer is 1,50
